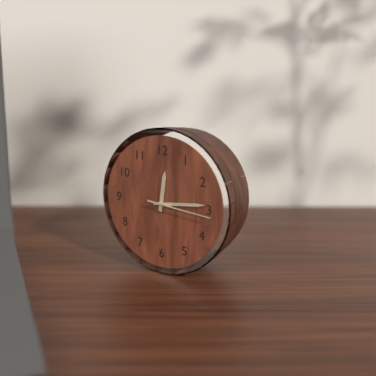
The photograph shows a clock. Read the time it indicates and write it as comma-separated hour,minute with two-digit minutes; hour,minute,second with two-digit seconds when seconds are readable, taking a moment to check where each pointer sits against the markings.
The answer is 12,14,16
